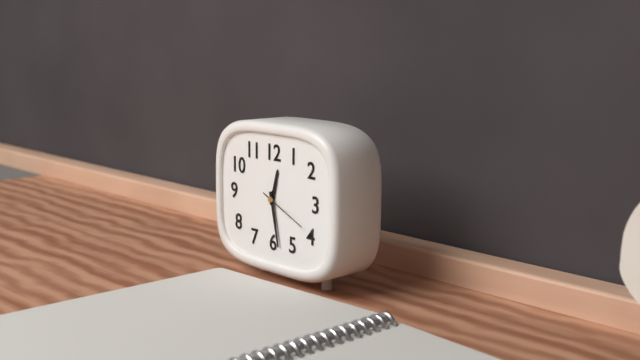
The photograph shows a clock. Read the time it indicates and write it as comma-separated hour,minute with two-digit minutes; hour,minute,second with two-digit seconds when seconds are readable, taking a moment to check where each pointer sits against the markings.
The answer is 12,28,19
